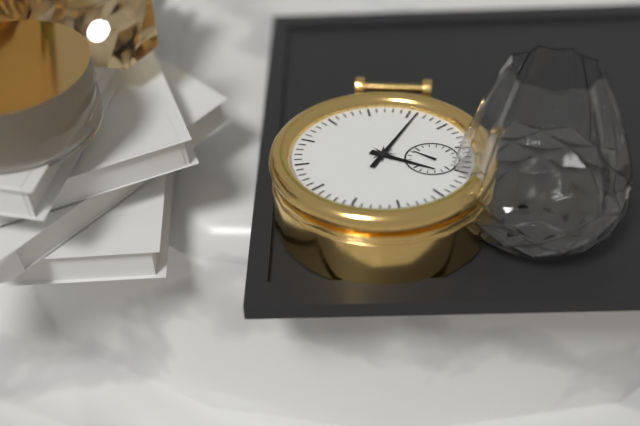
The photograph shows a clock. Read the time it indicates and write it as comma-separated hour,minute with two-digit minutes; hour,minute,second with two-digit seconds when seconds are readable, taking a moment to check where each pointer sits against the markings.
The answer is 5,11
